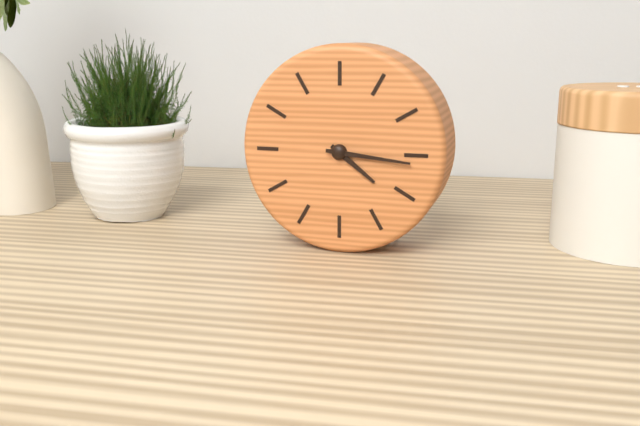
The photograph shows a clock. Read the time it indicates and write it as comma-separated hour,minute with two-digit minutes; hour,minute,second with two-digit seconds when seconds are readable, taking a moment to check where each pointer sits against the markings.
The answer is 4,16
